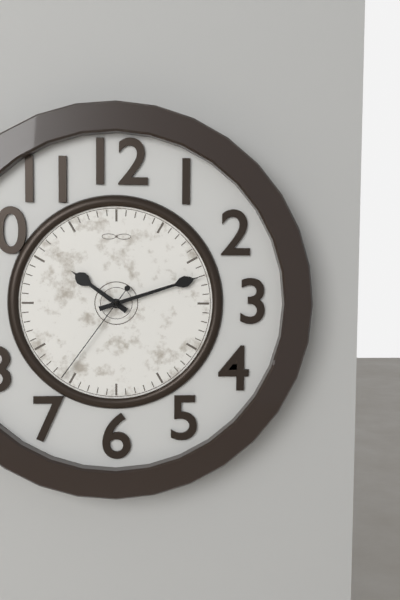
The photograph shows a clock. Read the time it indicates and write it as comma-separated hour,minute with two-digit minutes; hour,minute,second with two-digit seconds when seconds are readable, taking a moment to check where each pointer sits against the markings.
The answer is 10,12,36
